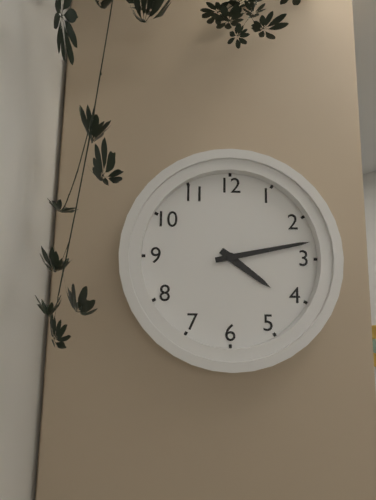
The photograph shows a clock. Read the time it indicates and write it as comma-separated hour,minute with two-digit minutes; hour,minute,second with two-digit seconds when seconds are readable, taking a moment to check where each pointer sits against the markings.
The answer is 4,13
